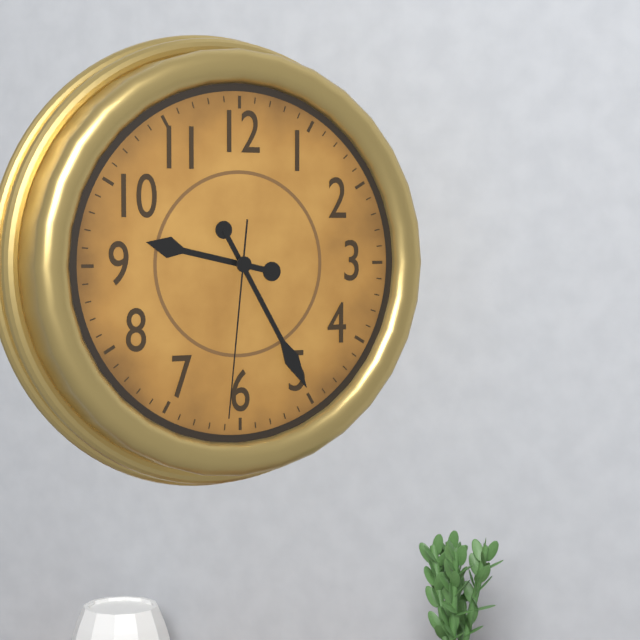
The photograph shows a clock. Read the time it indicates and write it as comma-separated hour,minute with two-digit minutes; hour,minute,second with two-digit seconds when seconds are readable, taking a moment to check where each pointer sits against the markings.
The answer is 9,25,31
